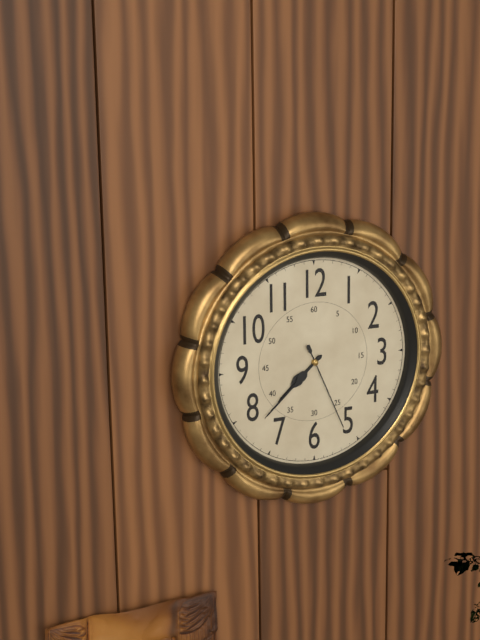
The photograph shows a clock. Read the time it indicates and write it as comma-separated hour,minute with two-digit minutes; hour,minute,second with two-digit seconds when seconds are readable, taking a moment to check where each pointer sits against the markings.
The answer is 7,38,26
